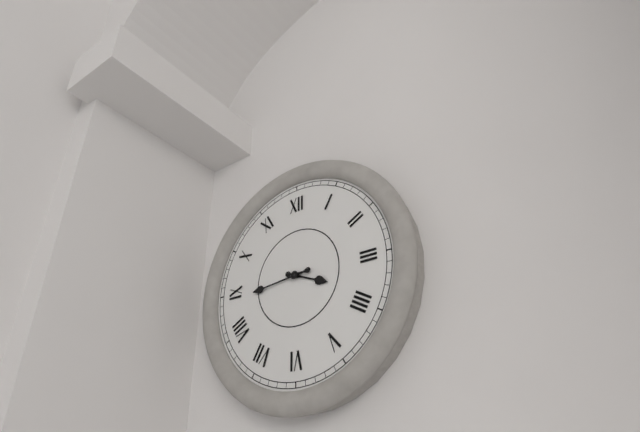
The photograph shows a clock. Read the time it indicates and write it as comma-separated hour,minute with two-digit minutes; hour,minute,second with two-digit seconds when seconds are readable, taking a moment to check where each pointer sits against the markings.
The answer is 3,44
